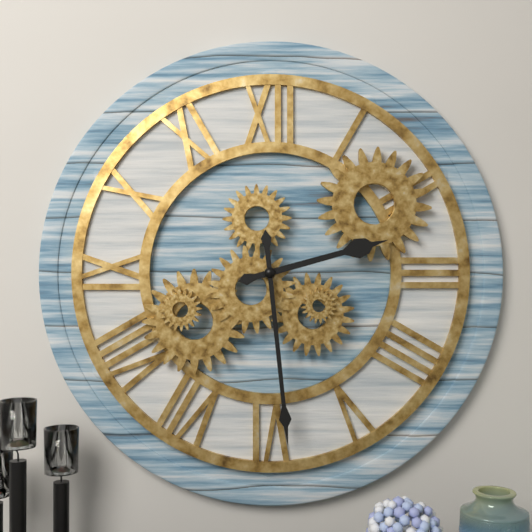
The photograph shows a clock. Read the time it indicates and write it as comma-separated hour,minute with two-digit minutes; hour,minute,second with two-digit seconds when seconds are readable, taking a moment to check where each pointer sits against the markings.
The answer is 2,29
